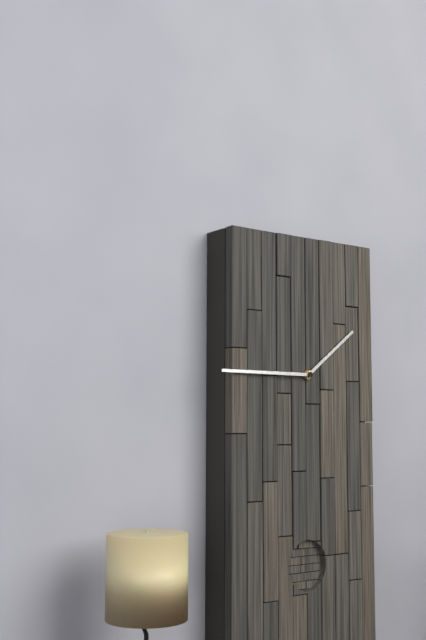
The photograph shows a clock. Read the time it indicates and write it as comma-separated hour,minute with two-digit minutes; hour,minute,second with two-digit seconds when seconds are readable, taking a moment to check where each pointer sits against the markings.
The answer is 1,45
